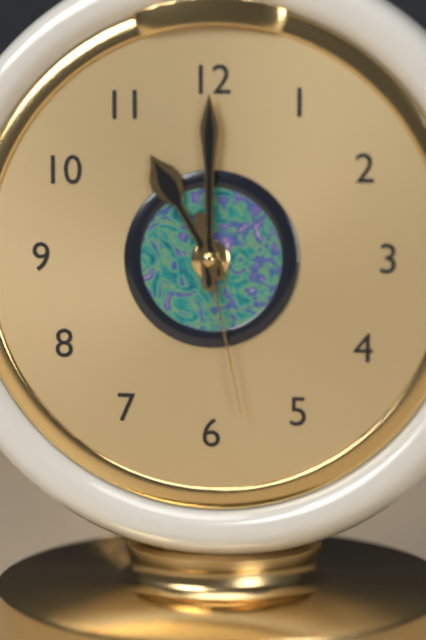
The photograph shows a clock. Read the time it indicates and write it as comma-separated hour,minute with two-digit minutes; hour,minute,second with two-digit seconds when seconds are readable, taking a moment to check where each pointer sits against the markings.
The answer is 11,00,28
